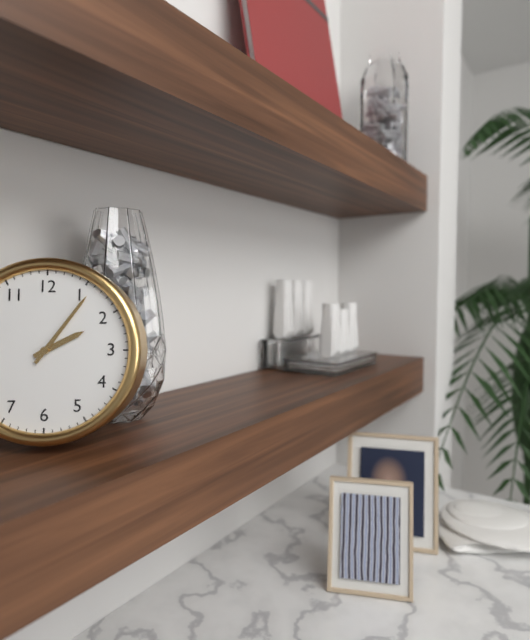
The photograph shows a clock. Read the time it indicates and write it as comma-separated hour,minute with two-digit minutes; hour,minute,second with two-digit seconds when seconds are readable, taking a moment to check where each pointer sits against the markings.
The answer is 2,06
